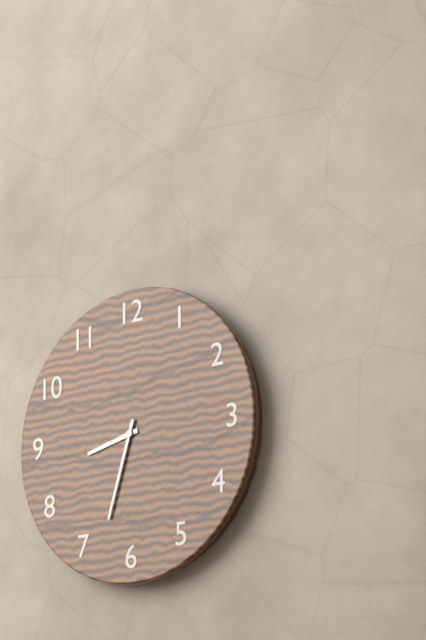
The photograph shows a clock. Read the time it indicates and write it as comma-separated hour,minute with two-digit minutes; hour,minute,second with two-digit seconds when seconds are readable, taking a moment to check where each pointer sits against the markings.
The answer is 8,33
